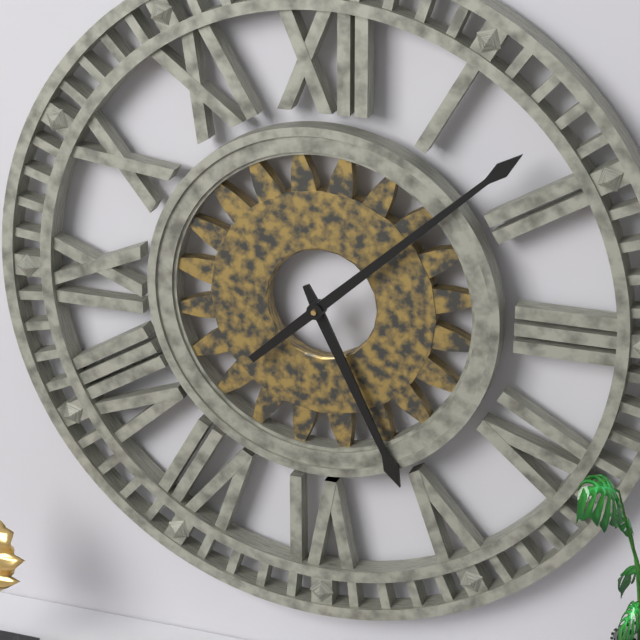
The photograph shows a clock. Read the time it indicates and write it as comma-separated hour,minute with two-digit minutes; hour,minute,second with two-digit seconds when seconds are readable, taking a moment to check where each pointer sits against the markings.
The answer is 5,08
